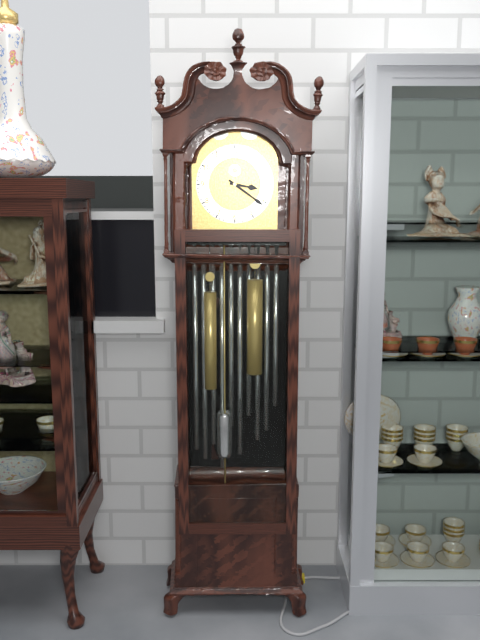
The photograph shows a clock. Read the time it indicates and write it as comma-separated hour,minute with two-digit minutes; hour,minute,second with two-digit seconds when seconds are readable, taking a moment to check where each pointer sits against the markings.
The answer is 3,21
